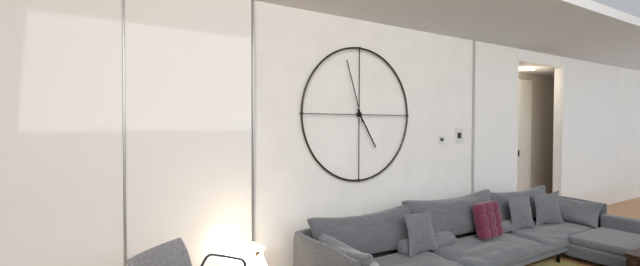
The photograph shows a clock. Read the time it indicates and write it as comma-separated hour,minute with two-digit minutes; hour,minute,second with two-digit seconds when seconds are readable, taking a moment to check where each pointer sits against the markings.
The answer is 4,57
